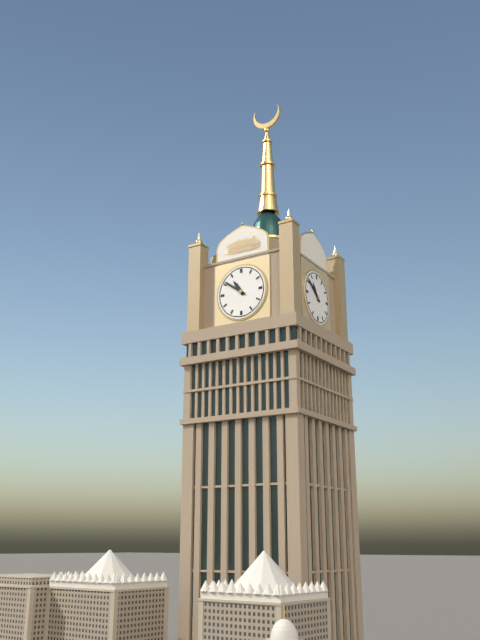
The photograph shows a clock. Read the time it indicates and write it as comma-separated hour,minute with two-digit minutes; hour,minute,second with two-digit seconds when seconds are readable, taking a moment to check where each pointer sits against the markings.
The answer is 10,51
